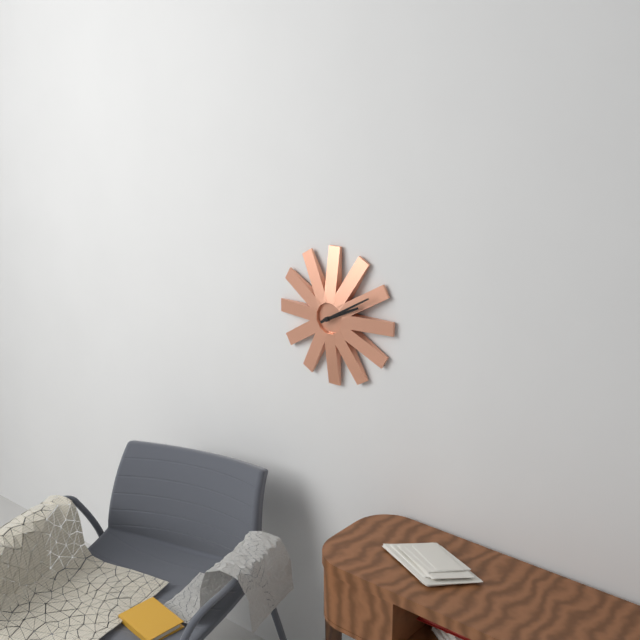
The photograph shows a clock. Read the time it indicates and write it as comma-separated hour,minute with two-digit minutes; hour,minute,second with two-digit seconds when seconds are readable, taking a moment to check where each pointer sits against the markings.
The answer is 2,10
